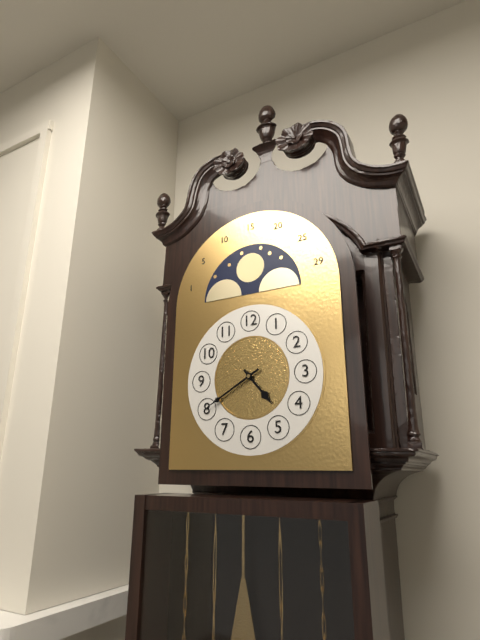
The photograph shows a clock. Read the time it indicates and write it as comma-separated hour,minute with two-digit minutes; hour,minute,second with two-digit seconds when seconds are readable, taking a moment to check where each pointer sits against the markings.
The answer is 4,40
